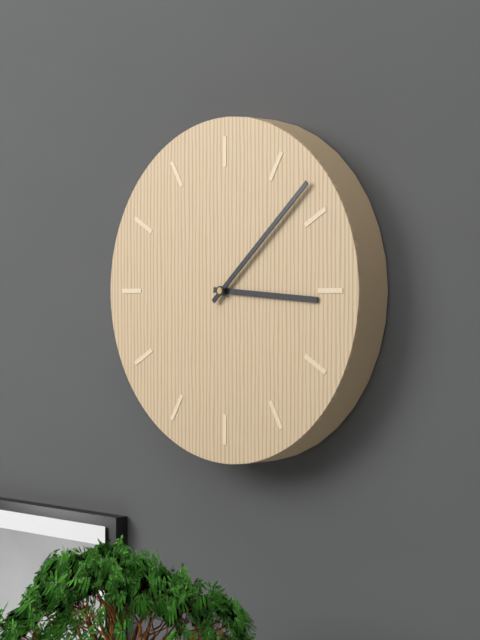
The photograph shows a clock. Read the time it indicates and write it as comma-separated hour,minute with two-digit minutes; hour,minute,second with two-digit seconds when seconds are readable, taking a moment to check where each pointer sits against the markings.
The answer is 3,08
